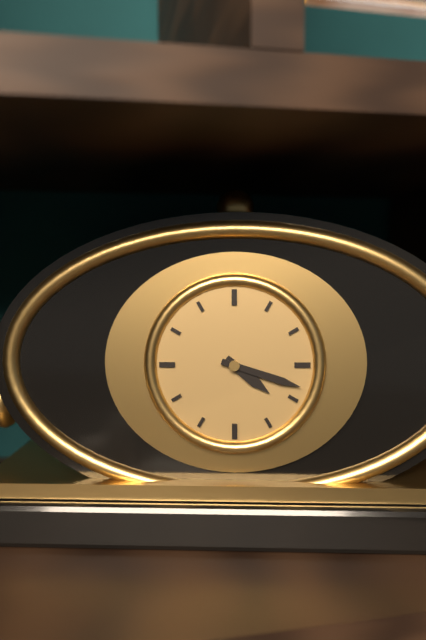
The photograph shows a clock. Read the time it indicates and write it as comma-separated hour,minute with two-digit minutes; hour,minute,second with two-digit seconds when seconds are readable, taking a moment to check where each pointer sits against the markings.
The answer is 4,18
